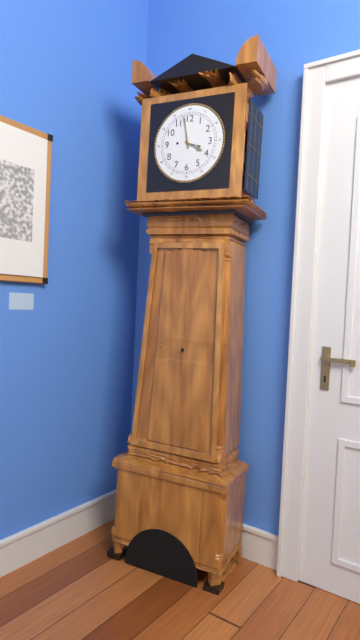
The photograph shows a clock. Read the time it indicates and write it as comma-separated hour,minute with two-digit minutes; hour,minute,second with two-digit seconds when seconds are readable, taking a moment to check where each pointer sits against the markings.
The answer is 3,58
